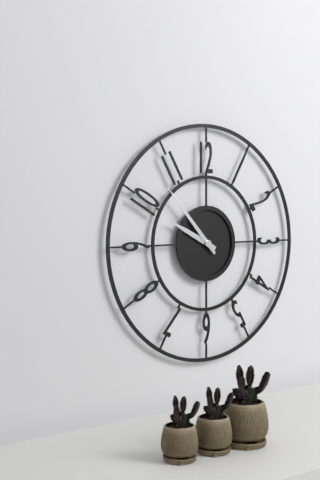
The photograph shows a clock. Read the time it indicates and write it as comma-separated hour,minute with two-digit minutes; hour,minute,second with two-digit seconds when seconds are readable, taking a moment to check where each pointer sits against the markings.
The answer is 9,53
